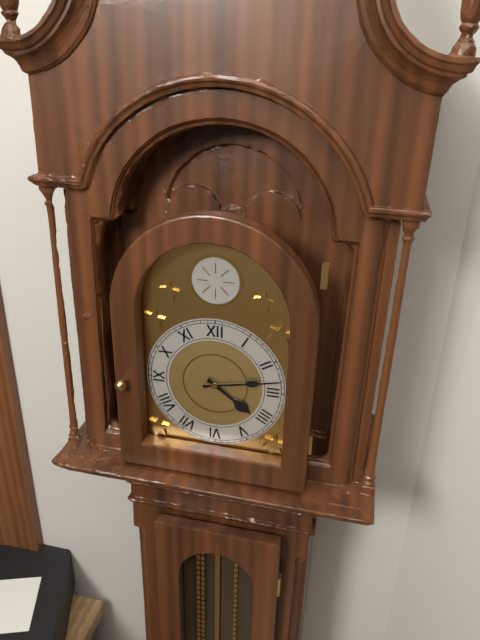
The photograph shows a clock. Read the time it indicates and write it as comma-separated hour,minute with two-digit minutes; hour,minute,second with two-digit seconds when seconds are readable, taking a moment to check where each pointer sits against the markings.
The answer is 4,13
